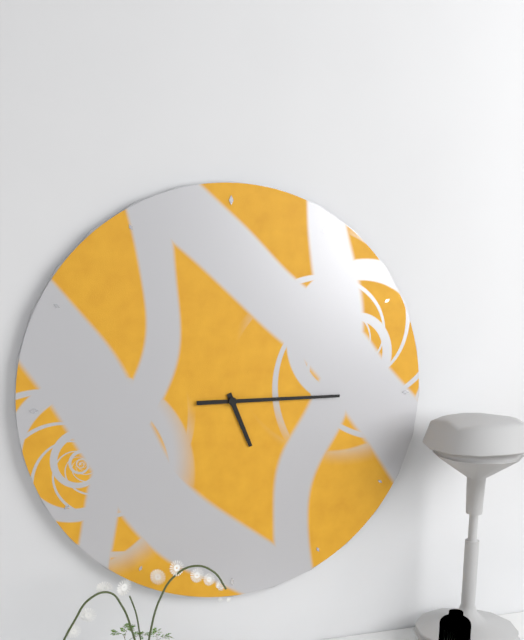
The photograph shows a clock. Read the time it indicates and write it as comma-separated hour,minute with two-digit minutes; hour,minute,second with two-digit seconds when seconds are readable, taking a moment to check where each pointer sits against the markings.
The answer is 5,15
